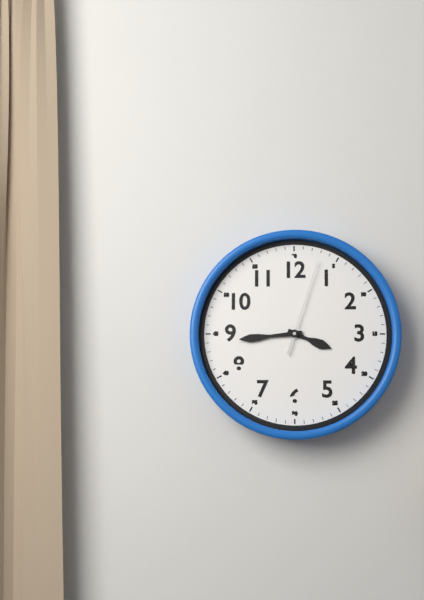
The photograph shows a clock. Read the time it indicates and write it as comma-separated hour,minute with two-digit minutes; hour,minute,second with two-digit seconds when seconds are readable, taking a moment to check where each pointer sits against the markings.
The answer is 3,44,03
